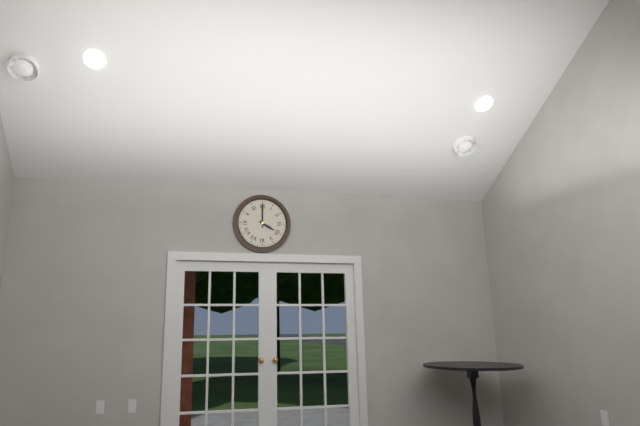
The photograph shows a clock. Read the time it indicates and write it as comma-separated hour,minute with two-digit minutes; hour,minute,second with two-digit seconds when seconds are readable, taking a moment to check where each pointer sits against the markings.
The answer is 4,00
